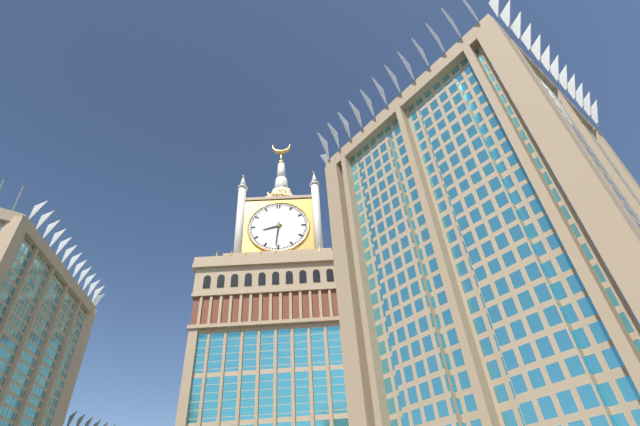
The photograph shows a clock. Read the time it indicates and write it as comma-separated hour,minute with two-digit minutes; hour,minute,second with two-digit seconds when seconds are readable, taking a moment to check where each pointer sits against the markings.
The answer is 8,31
